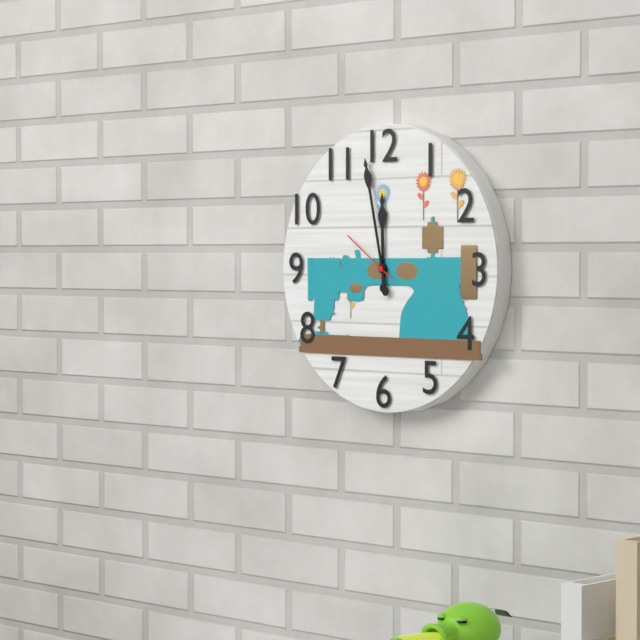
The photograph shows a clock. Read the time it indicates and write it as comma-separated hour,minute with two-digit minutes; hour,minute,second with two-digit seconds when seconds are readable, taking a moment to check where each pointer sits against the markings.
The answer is 11,58,51
